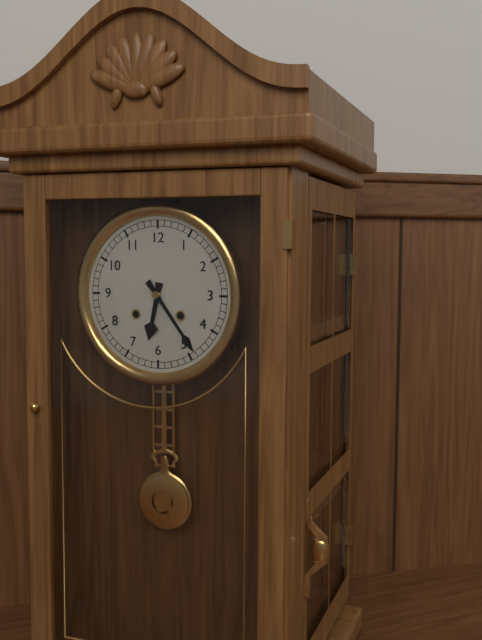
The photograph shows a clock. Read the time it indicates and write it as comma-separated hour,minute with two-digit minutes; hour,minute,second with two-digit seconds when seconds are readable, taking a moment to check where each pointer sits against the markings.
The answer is 6,24
